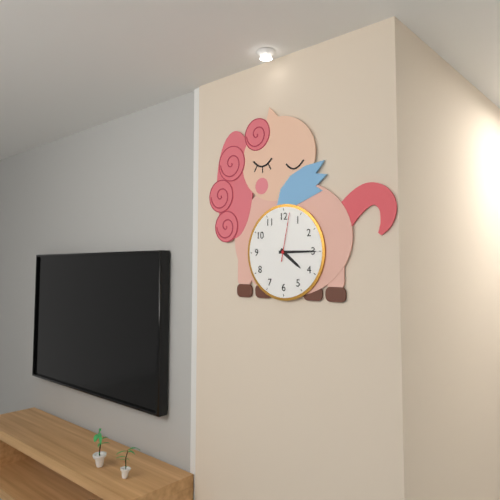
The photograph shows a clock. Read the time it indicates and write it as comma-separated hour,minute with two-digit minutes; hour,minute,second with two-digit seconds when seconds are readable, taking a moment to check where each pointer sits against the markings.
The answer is 4,15,02
